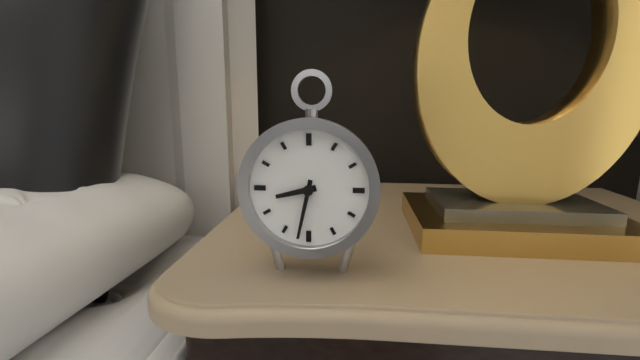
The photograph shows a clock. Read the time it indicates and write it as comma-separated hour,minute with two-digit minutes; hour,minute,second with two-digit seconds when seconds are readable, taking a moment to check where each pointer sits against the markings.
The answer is 8,32
